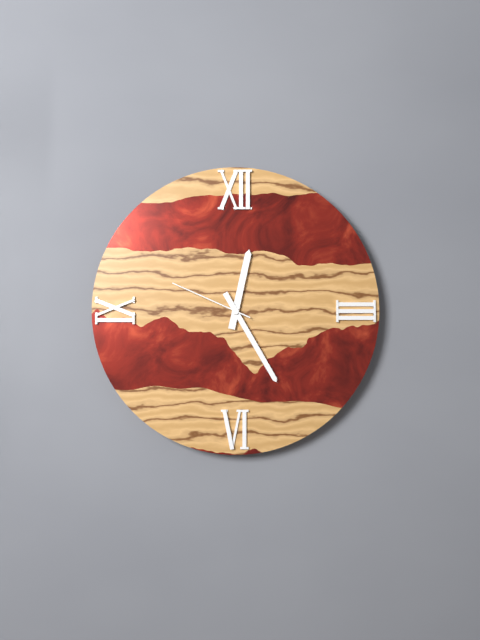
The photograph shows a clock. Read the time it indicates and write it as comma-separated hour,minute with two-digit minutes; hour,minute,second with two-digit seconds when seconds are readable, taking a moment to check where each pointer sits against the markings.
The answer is 12,25,49
